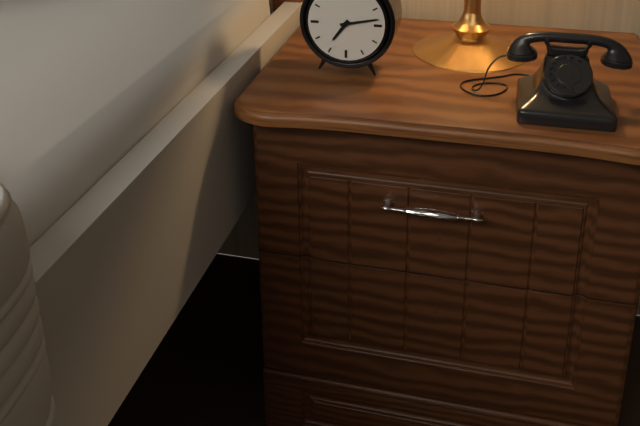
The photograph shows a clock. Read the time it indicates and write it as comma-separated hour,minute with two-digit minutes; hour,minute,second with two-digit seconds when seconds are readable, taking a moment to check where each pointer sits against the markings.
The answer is 7,13
